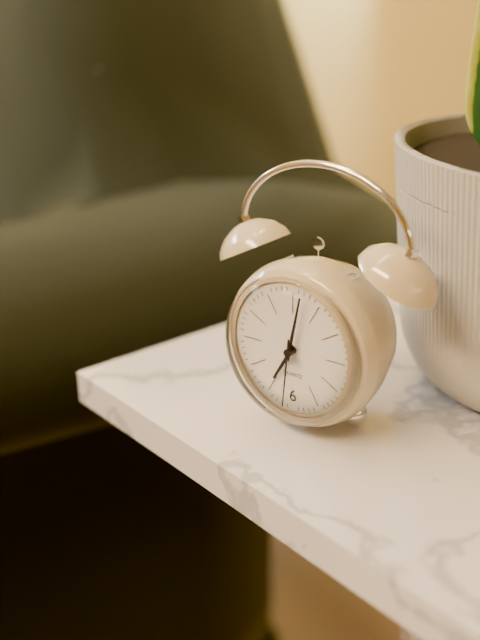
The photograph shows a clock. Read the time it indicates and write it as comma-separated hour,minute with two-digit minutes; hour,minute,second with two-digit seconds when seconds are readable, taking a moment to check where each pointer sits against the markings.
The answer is 7,02,31
